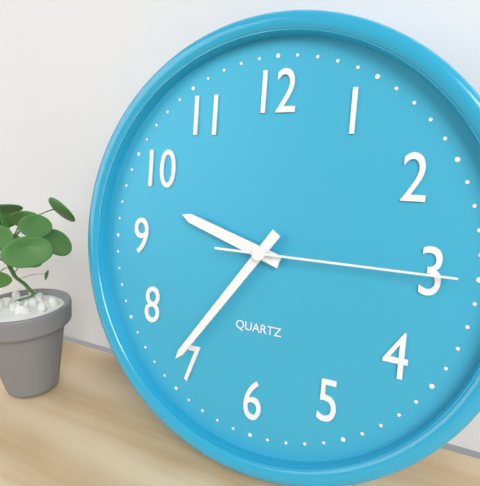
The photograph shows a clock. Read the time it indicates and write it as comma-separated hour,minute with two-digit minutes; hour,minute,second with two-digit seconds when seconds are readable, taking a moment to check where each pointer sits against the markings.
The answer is 9,36,15
